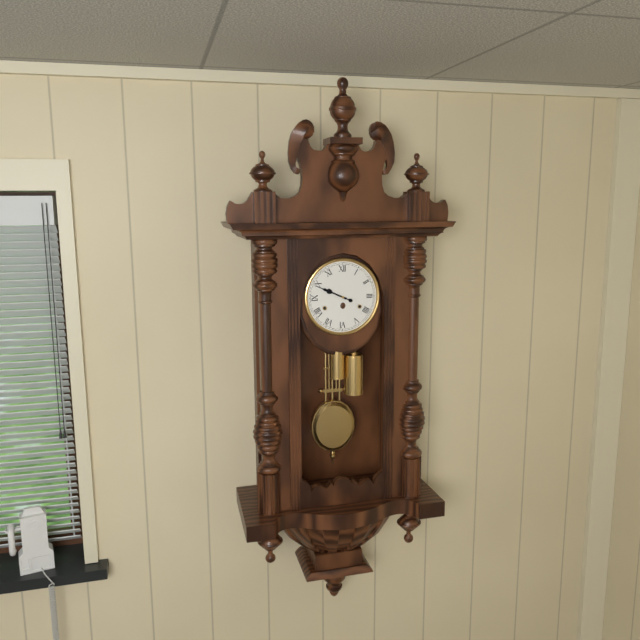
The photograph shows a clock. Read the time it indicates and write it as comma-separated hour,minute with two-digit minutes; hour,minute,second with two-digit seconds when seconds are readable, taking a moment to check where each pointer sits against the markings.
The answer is 9,49
